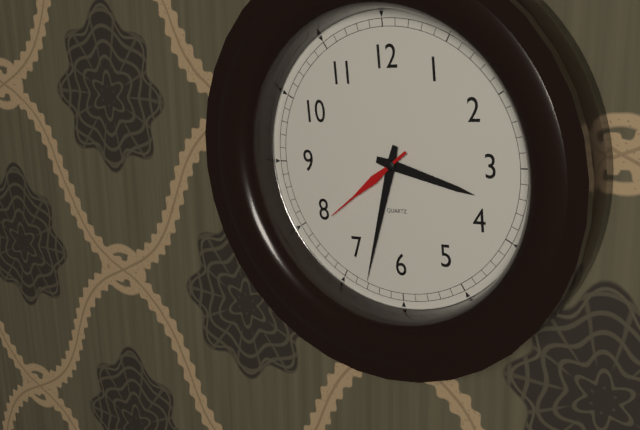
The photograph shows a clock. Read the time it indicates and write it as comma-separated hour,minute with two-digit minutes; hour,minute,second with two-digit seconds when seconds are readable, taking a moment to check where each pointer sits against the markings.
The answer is 3,33,39
